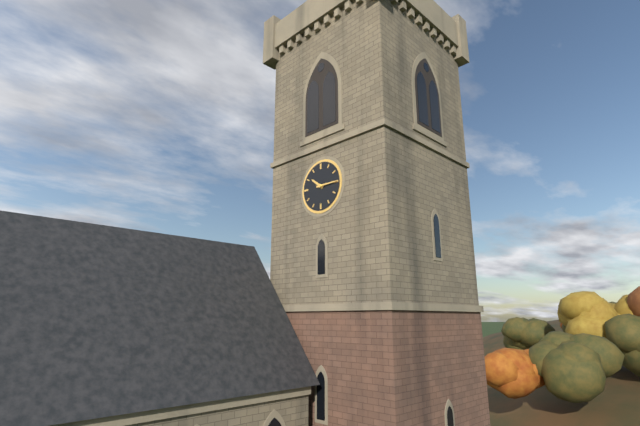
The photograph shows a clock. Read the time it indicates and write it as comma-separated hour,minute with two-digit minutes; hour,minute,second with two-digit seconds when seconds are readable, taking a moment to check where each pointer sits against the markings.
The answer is 10,15
